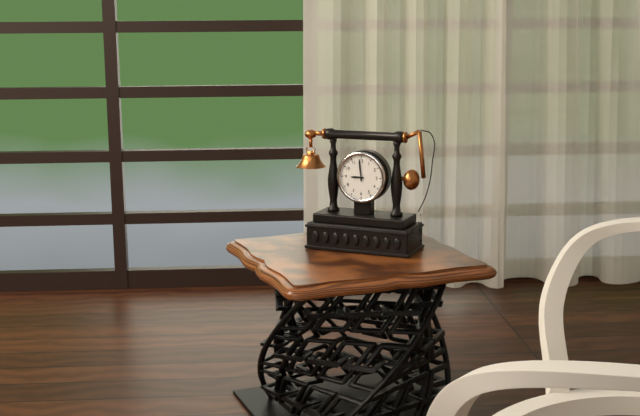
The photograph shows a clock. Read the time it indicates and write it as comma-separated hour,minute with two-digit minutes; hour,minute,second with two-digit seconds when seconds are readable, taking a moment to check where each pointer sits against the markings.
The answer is 8,59
